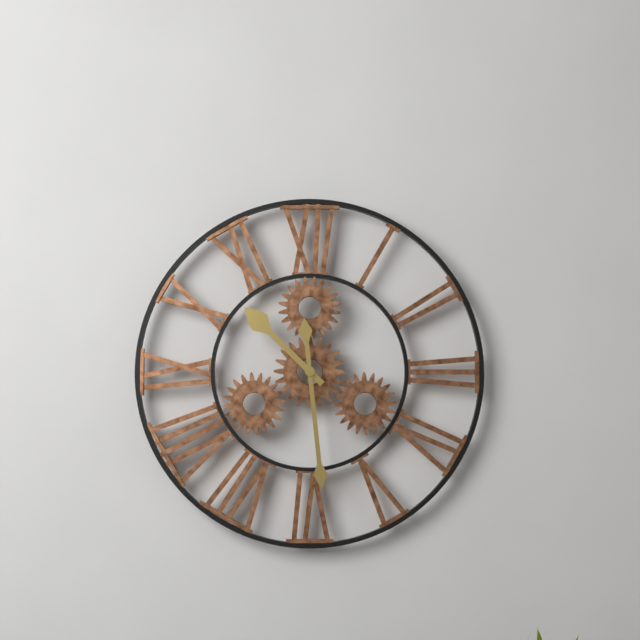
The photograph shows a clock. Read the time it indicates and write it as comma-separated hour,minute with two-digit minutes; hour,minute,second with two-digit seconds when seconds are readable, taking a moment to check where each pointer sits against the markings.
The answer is 10,29
